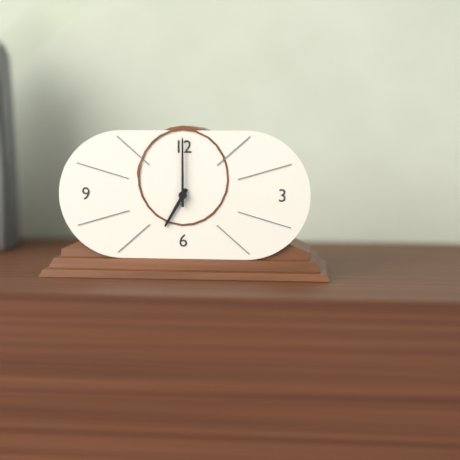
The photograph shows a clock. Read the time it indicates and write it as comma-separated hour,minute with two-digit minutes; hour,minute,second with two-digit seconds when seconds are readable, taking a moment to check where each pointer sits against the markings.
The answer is 7,00
